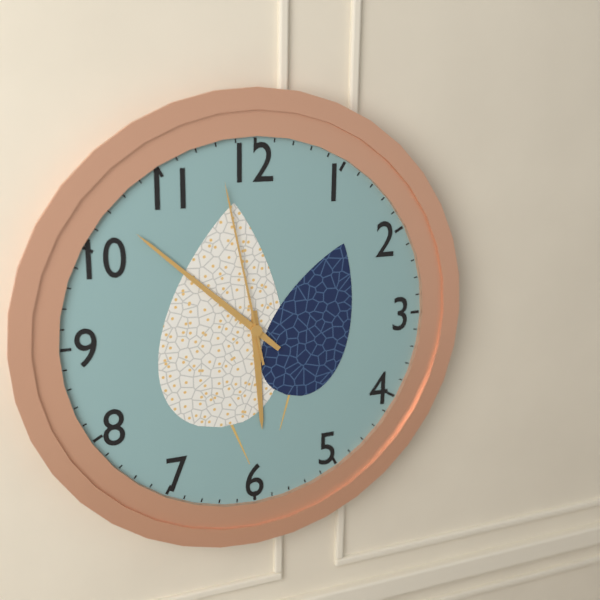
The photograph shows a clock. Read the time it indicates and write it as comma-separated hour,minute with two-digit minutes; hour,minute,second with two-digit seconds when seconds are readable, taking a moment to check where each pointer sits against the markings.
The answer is 5,52,58
